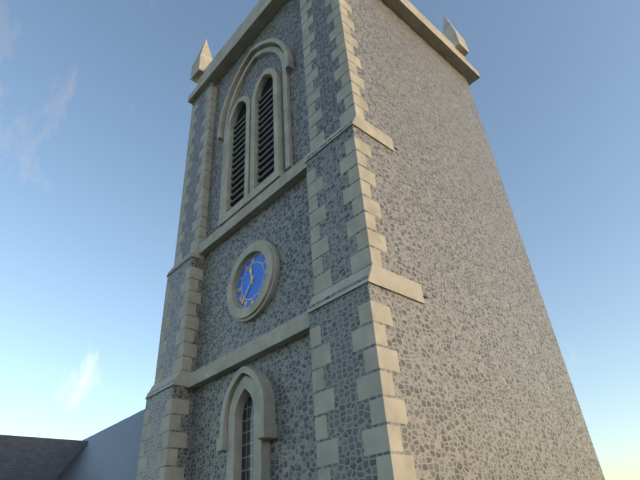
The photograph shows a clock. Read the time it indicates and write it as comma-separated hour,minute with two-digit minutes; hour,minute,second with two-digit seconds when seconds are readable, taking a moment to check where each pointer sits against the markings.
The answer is 11,37
